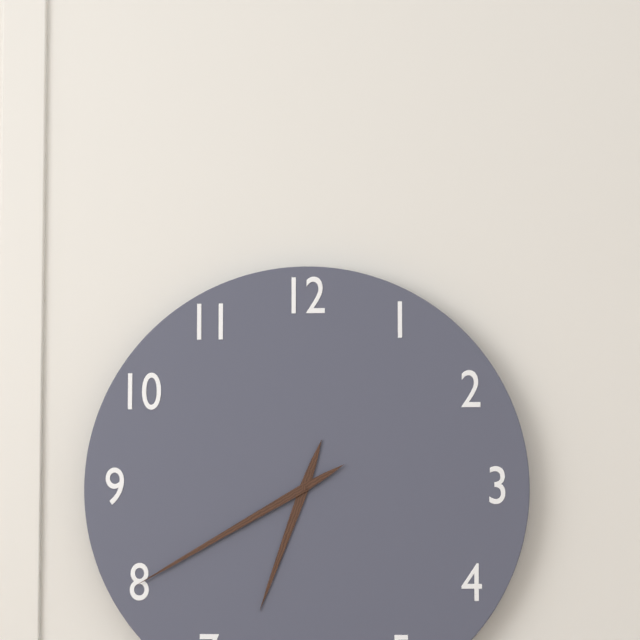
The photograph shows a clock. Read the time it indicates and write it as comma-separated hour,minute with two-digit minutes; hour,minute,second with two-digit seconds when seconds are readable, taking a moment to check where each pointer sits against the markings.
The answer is 6,40
